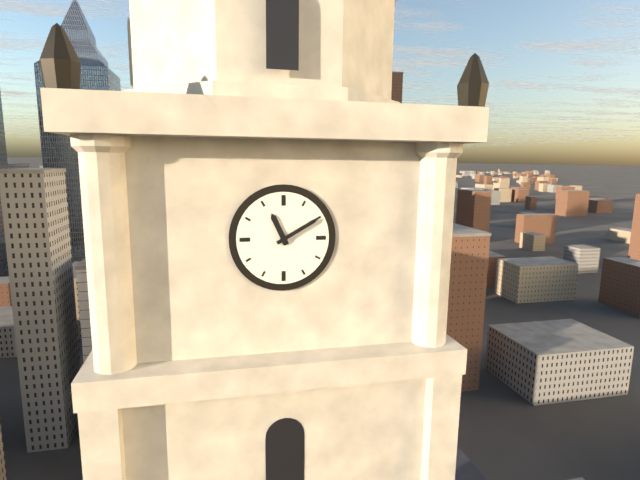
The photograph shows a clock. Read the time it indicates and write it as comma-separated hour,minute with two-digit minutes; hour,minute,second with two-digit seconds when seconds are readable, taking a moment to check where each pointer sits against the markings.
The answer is 11,10
